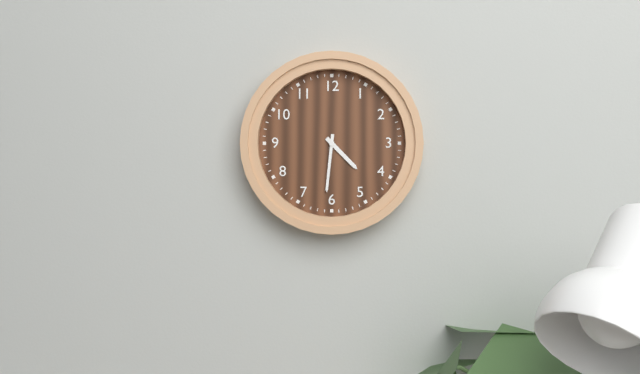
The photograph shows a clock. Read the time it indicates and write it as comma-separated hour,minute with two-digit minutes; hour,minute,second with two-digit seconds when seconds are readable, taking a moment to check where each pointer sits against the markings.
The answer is 4,31
